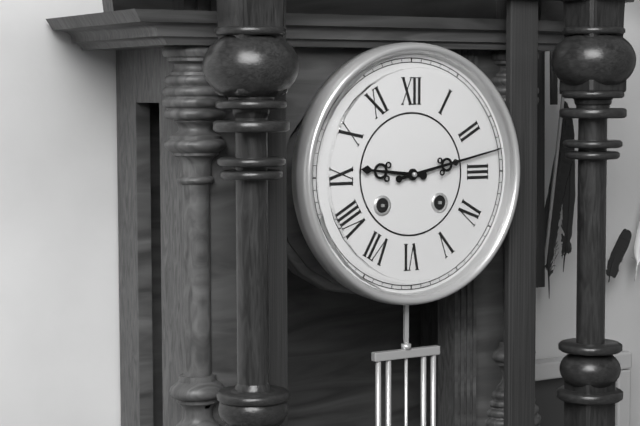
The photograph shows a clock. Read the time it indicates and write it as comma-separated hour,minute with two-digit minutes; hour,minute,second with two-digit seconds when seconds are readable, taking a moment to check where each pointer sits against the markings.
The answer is 9,13
